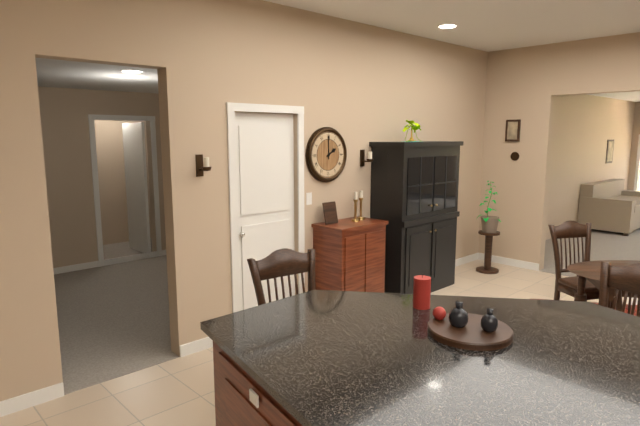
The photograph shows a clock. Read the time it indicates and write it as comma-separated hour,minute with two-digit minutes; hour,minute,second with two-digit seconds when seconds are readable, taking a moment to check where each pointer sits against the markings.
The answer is 2,00
